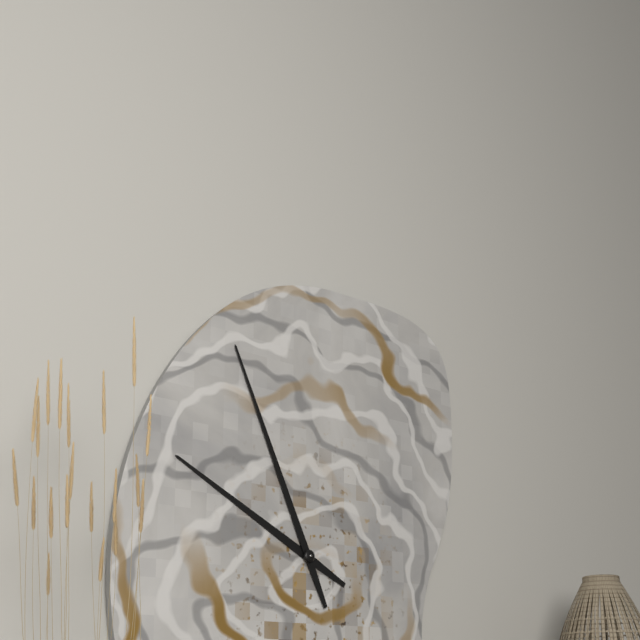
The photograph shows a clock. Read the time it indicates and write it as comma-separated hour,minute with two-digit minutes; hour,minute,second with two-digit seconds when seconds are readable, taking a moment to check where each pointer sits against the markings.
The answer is 9,56
